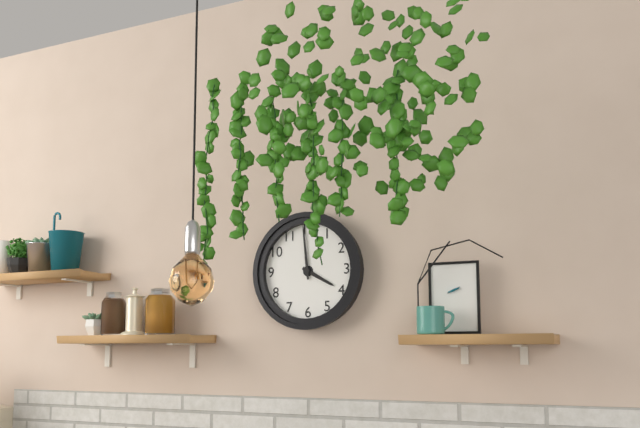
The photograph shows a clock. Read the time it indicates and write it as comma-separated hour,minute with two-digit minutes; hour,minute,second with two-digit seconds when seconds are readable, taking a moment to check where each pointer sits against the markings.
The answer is 3,59
